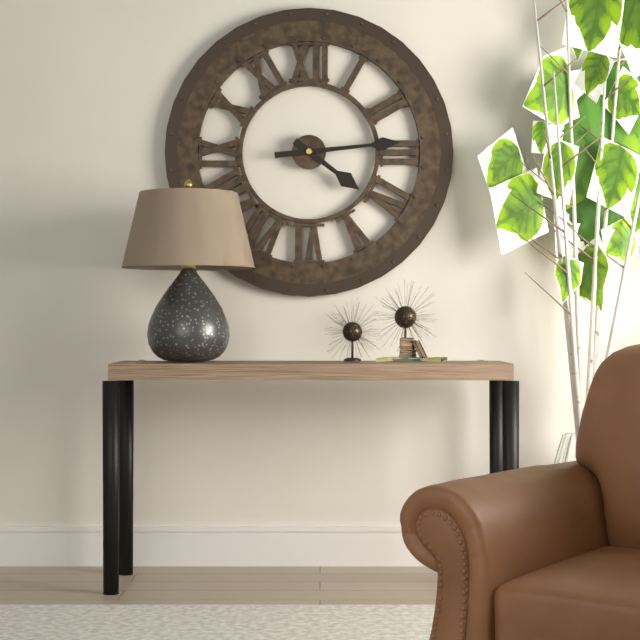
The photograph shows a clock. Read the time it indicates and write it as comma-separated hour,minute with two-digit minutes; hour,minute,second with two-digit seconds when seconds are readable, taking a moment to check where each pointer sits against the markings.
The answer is 4,14
